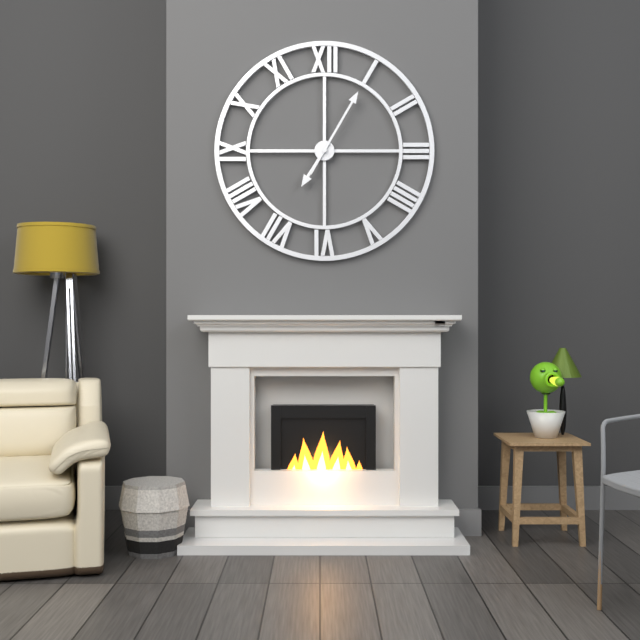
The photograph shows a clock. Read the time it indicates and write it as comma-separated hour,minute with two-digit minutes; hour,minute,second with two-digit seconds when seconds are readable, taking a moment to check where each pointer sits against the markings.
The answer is 7,05
